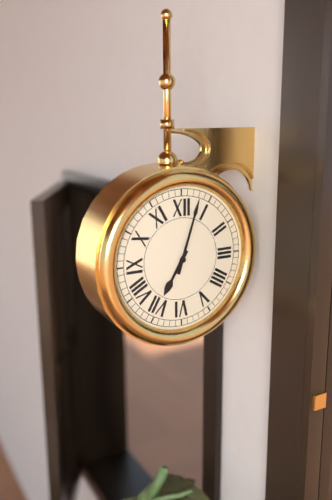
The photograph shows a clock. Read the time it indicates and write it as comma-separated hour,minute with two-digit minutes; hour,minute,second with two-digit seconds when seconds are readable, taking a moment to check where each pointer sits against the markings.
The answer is 7,03
